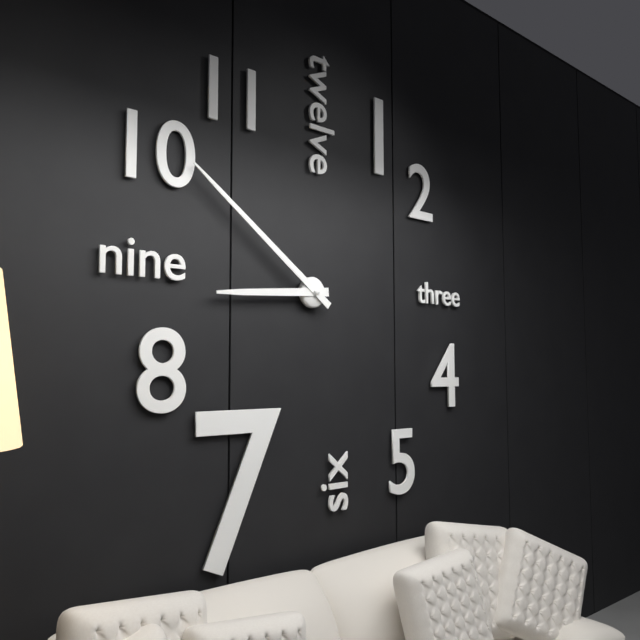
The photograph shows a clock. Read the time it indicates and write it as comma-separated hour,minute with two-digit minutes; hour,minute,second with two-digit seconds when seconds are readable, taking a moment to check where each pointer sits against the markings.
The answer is 8,51
